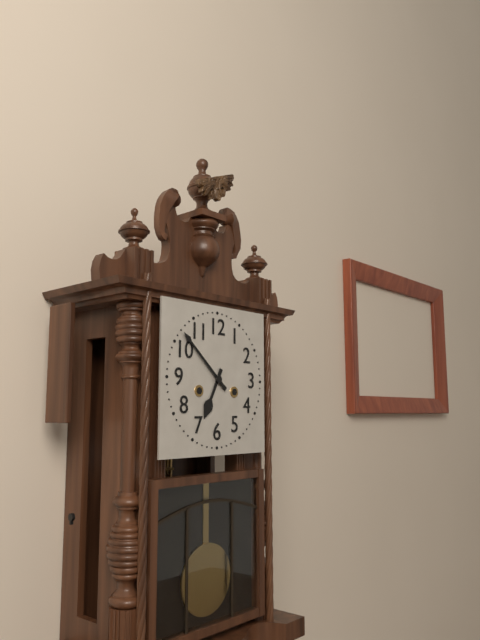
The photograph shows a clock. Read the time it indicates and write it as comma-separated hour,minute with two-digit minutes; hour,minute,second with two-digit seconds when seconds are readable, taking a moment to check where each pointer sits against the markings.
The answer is 6,52
